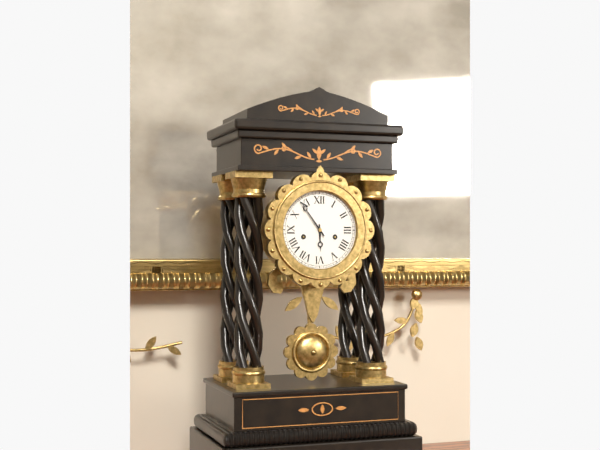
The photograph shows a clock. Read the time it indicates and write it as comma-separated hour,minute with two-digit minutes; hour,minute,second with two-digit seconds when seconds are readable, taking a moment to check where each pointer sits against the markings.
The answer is 5,54
